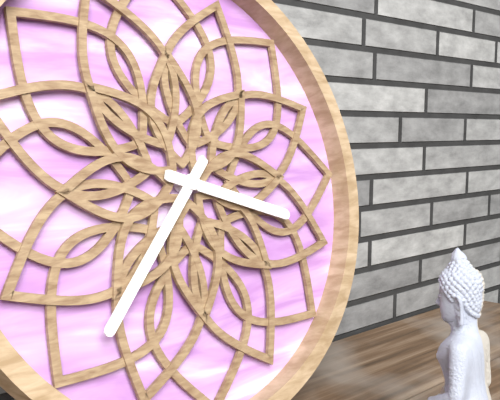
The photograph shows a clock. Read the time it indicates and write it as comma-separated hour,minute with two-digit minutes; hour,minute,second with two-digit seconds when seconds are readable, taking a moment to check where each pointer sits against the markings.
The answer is 3,37
